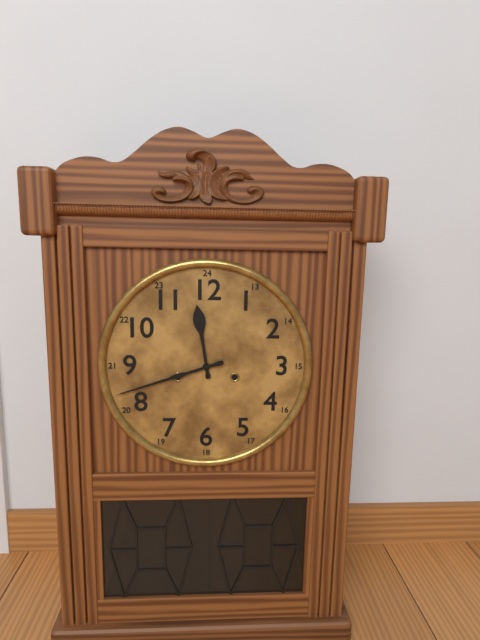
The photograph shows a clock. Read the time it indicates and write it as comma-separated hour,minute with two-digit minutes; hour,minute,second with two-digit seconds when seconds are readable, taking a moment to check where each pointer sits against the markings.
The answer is 11,42
